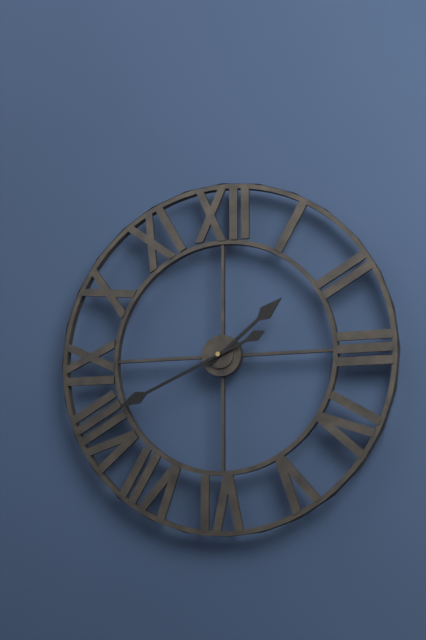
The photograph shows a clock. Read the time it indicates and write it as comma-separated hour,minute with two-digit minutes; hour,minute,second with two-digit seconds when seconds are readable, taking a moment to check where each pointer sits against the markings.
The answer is 1,41
